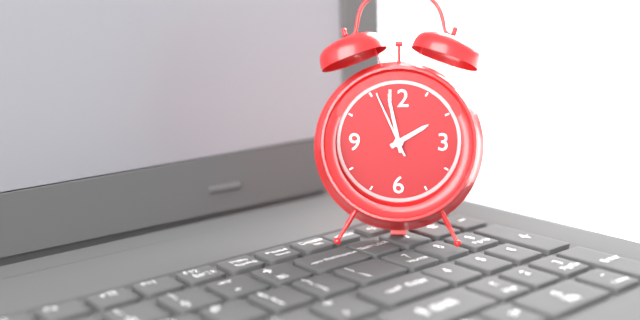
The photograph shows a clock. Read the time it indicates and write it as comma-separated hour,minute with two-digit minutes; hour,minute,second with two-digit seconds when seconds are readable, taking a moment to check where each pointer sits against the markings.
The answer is 1,58,56
